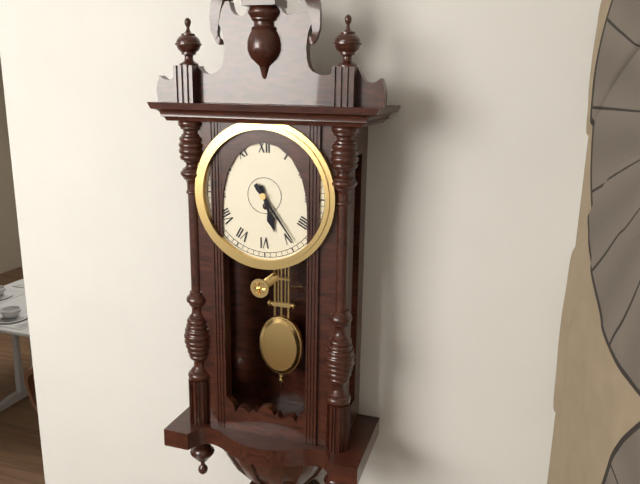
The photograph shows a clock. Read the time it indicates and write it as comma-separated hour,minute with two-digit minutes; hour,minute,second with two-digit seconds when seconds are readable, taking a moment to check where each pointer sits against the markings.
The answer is 5,24
